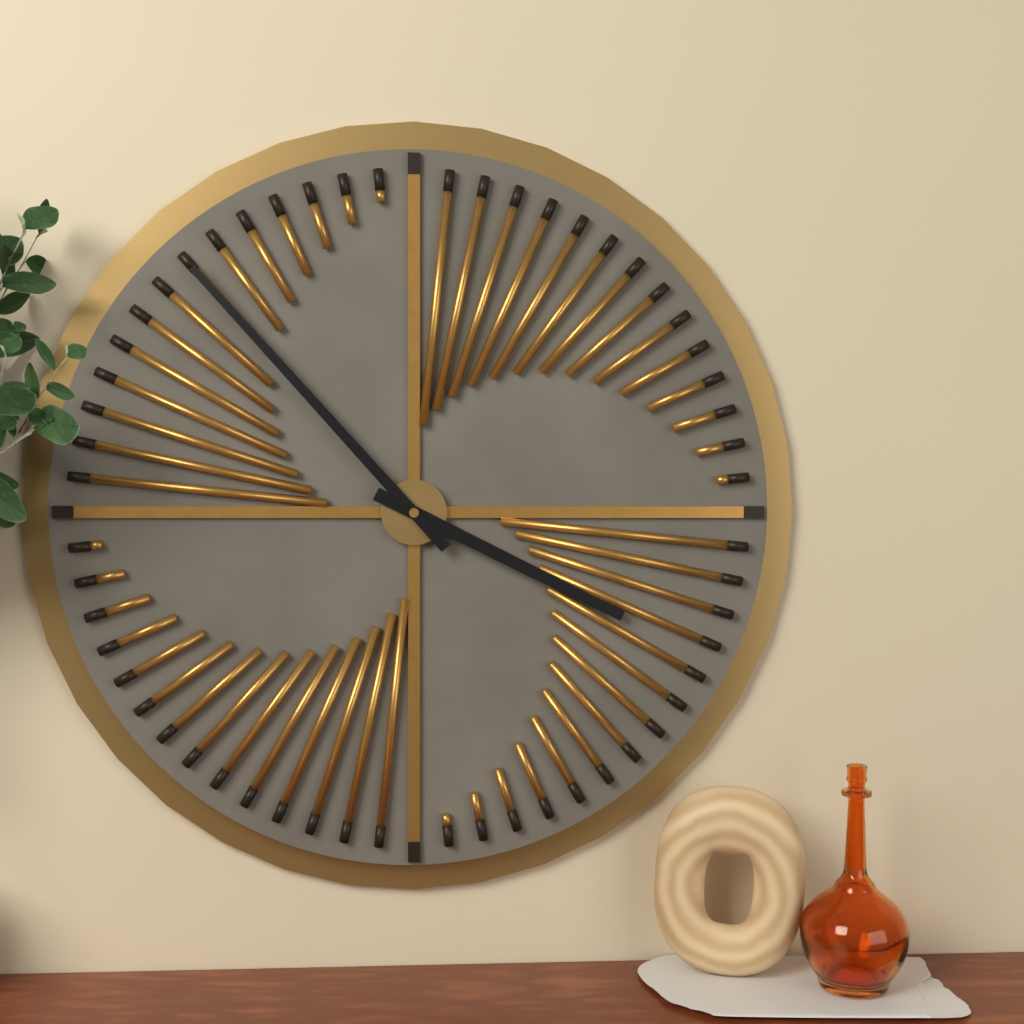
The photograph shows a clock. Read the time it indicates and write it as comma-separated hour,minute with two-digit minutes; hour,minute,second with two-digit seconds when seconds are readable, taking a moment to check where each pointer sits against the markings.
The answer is 3,53
